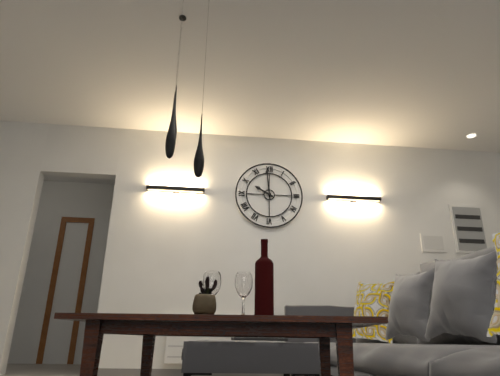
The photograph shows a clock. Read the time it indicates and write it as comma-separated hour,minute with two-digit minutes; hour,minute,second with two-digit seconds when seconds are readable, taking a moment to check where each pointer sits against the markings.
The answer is 9,59
